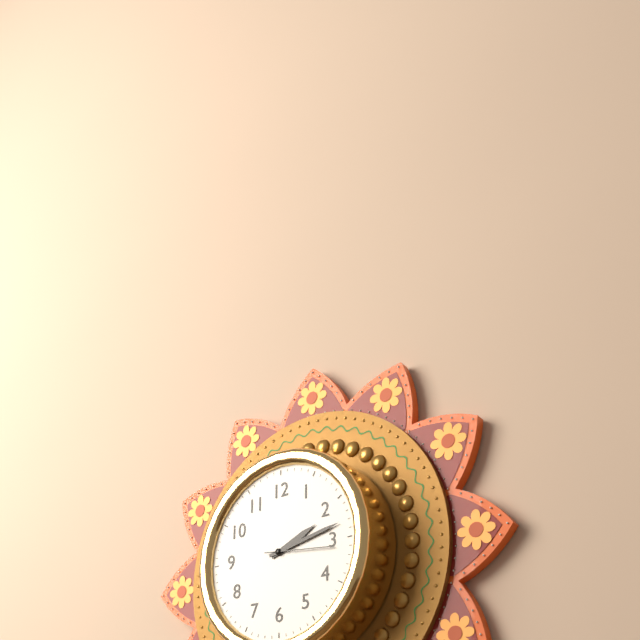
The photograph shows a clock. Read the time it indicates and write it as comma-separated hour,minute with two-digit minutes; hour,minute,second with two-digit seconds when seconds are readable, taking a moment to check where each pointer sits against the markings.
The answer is 2,13
